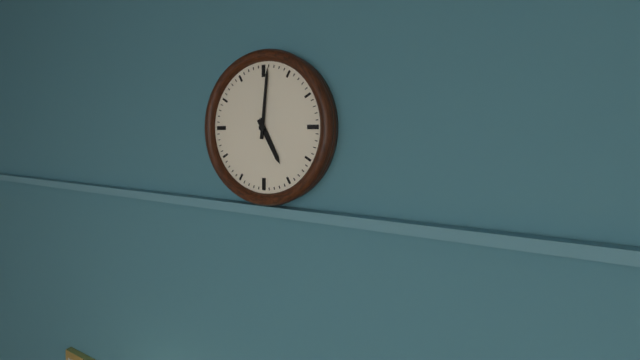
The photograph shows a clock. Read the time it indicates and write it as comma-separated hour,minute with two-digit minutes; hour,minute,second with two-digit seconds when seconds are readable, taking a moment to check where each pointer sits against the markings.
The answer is 5,01
